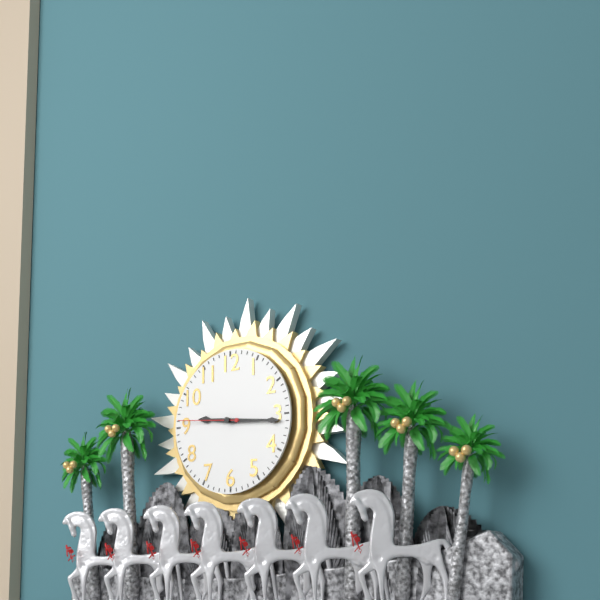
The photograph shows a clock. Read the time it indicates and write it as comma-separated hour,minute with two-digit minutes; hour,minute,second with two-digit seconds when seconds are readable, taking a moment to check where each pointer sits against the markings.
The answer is 9,16,46
